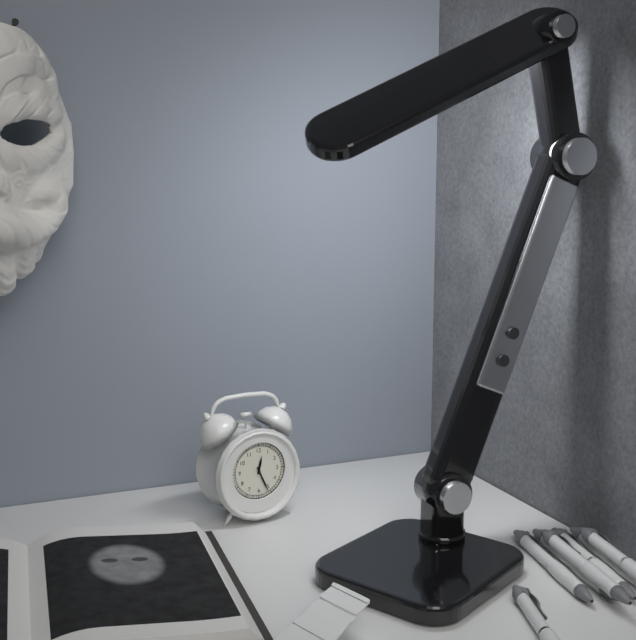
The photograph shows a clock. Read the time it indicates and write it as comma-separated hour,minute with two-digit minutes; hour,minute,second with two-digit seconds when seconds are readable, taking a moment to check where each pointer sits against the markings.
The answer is 12,26
